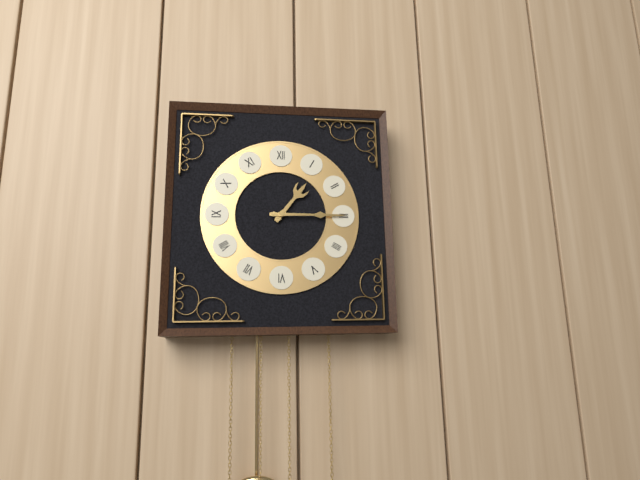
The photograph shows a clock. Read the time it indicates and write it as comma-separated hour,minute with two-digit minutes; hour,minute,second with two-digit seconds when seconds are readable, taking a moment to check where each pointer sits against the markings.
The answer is 1,15
